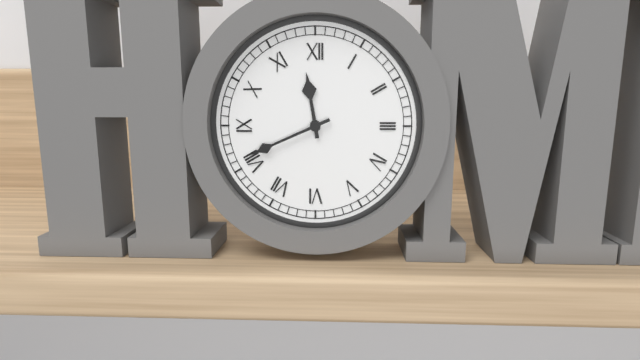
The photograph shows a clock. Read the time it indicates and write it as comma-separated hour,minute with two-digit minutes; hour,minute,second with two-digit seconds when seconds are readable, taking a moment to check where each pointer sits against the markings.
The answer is 11,41
